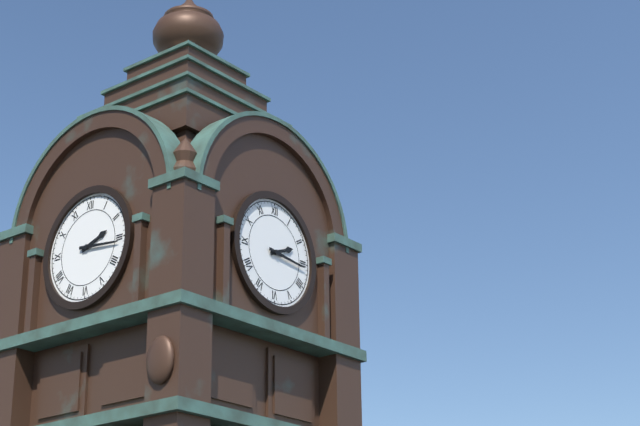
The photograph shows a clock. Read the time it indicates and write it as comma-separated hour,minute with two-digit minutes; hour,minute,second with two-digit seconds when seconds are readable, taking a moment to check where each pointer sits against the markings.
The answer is 2,16
